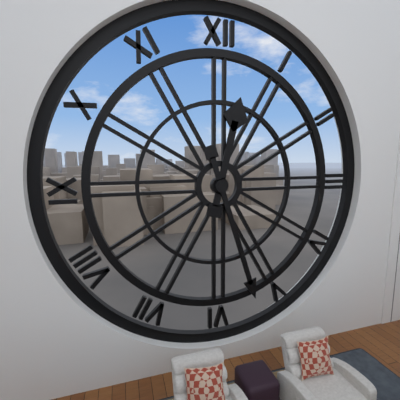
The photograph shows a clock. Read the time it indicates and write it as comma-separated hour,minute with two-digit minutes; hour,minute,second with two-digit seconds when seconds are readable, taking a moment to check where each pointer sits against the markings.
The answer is 12,27
